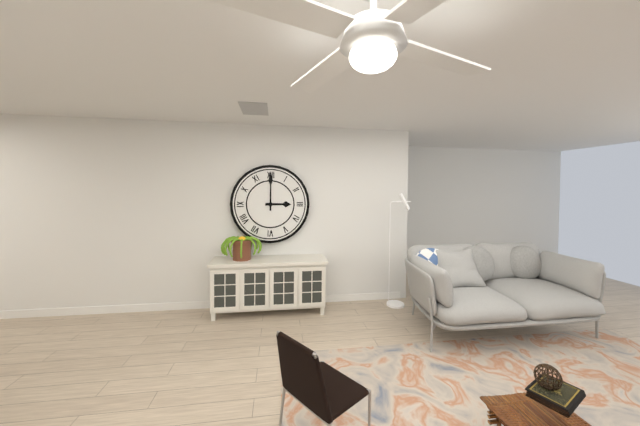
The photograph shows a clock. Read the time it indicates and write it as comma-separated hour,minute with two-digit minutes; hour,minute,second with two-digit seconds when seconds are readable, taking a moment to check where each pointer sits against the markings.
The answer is 3,00
